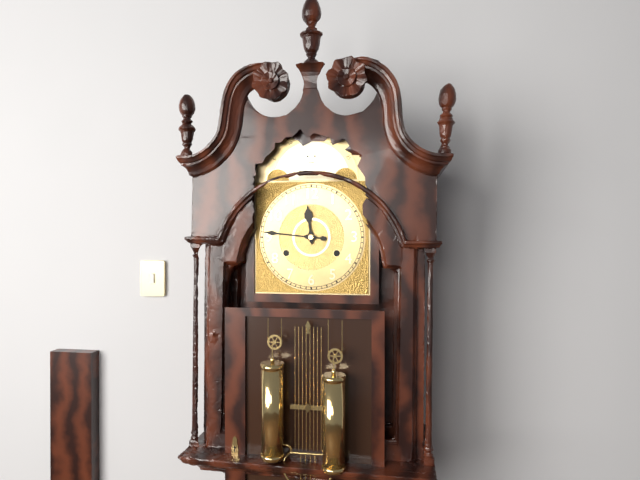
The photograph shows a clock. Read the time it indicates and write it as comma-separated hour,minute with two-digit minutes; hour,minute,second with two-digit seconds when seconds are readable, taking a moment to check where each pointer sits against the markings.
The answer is 11,46
